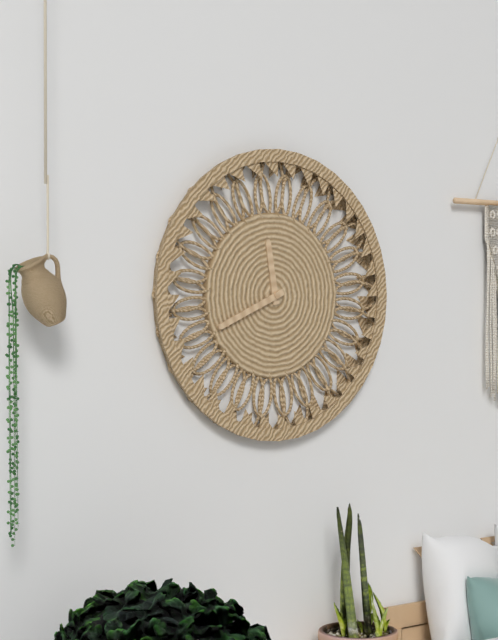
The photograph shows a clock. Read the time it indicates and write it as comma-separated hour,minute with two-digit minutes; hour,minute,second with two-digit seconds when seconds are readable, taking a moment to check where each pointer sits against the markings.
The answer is 11,41
